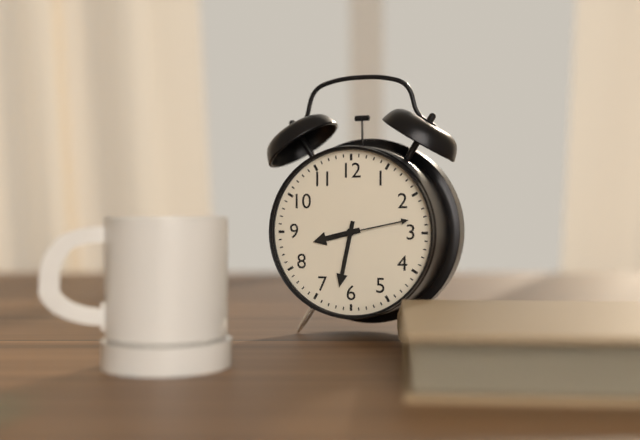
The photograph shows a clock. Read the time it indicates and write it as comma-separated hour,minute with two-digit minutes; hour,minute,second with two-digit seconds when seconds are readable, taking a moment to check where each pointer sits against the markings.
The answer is 8,32,13
